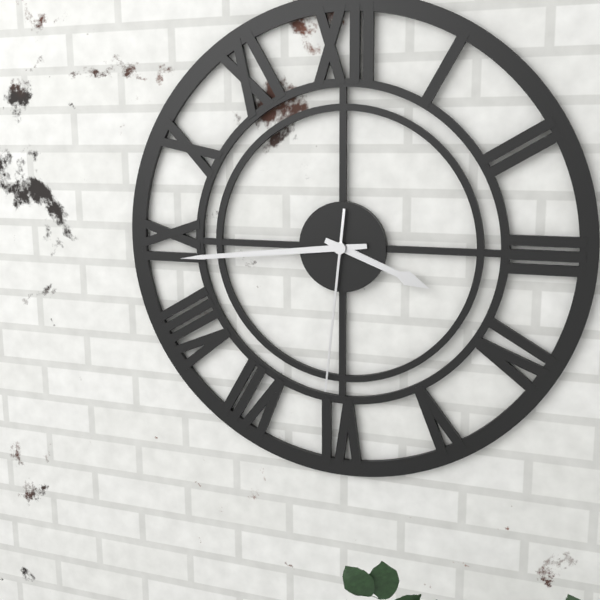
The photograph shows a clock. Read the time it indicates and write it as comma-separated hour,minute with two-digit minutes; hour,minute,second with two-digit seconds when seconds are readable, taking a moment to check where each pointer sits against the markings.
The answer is 3,44,31
